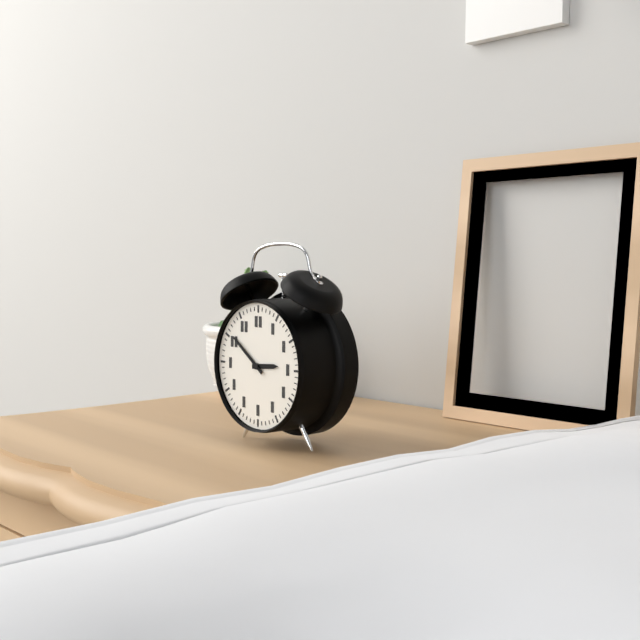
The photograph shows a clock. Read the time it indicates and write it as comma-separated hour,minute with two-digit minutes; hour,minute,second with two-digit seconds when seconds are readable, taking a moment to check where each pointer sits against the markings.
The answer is 2,51
